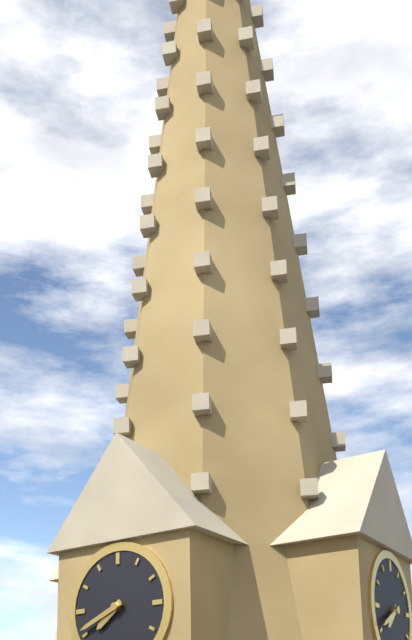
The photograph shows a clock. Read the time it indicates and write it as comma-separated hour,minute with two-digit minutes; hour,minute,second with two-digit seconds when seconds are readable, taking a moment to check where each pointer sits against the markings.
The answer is 7,41
